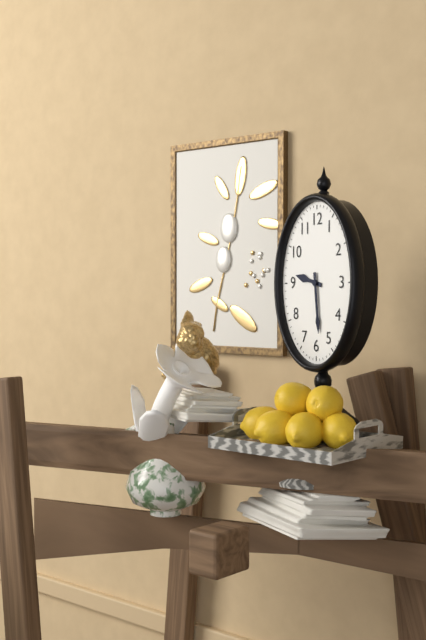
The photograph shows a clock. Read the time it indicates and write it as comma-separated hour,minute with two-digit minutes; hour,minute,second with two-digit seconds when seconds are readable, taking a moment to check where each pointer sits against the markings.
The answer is 9,29
